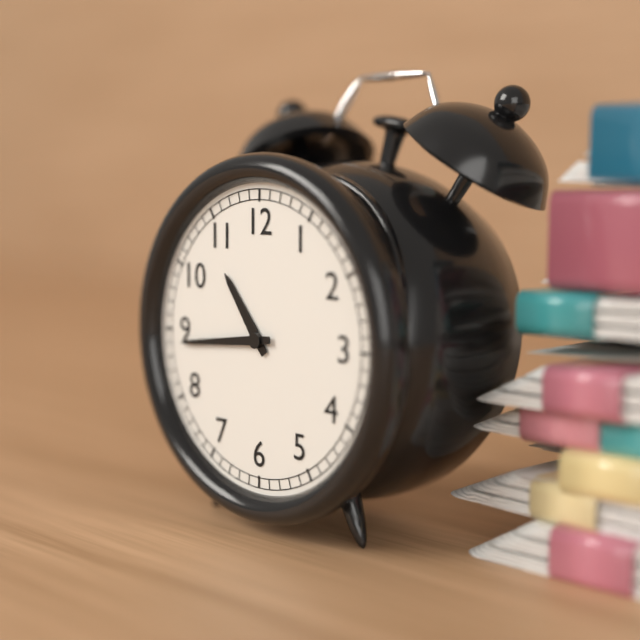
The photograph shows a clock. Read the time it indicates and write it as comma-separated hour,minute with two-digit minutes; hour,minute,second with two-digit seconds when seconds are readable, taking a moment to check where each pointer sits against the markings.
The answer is 10,44
